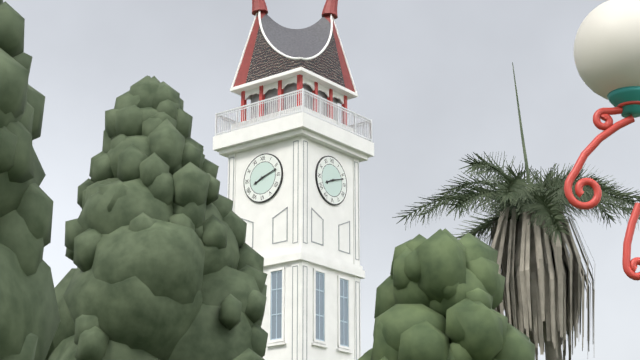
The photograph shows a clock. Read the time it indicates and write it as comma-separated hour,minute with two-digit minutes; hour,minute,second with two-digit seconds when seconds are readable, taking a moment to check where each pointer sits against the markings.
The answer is 8,12
